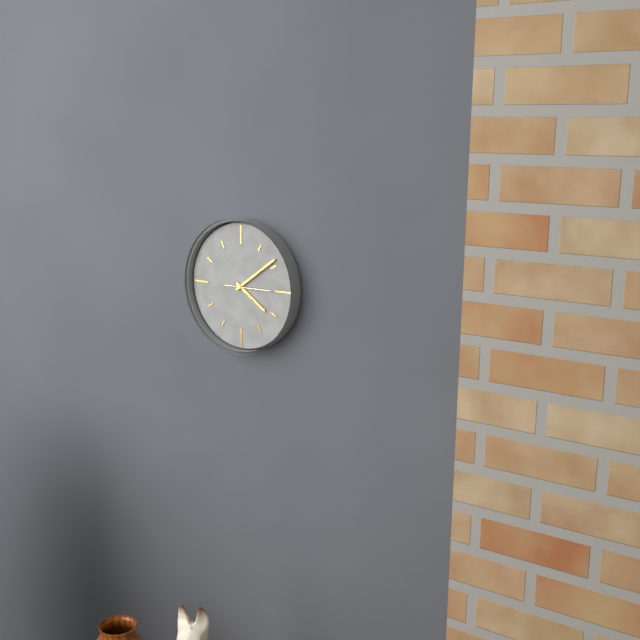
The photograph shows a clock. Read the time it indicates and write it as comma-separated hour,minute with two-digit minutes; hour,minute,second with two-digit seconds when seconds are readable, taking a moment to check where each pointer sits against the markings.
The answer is 4,09
